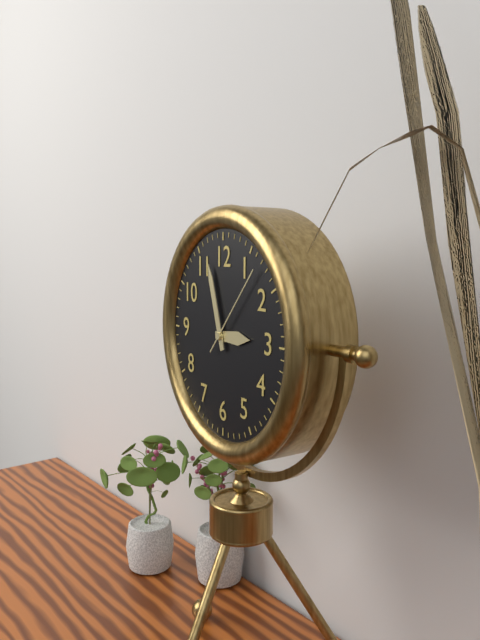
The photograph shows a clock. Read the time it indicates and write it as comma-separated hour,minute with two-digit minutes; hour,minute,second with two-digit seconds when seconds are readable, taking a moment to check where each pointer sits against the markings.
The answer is 2,57,07
